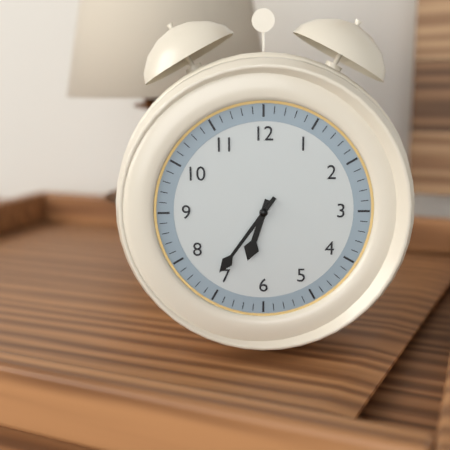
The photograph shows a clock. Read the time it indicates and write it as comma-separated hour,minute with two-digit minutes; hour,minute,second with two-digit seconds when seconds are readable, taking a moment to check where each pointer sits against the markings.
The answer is 6,36
